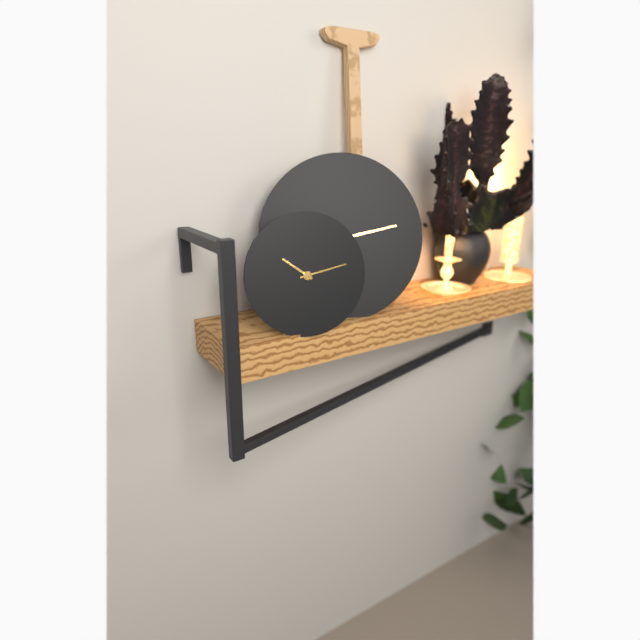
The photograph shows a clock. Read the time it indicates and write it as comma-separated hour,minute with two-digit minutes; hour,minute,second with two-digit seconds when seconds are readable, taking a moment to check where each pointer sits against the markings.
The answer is 10,13
